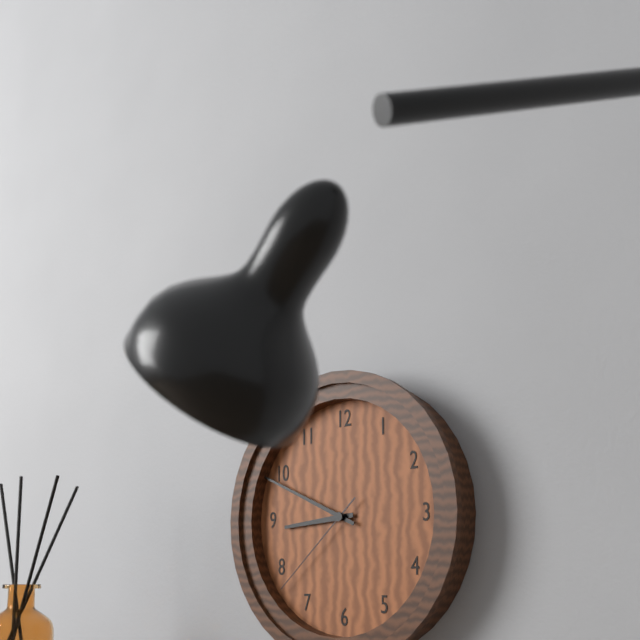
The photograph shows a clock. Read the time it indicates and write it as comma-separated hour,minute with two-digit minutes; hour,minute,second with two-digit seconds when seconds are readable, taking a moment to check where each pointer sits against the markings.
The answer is 8,49,38
